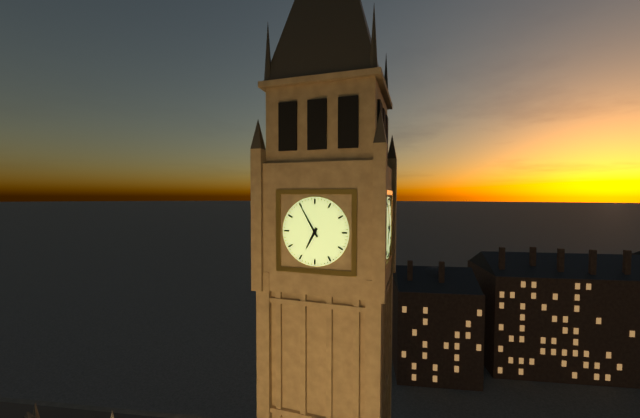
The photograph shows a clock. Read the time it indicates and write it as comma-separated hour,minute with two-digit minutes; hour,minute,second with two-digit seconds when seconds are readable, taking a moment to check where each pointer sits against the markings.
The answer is 6,55
